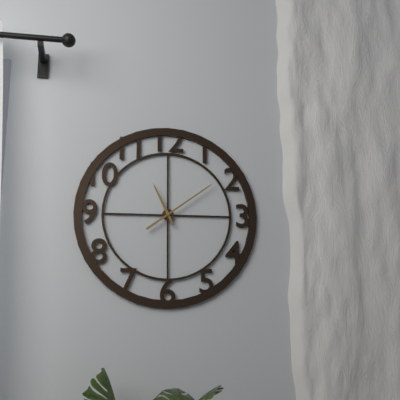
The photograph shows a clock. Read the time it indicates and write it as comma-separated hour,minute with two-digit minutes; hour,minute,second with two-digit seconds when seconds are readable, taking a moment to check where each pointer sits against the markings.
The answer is 11,09
